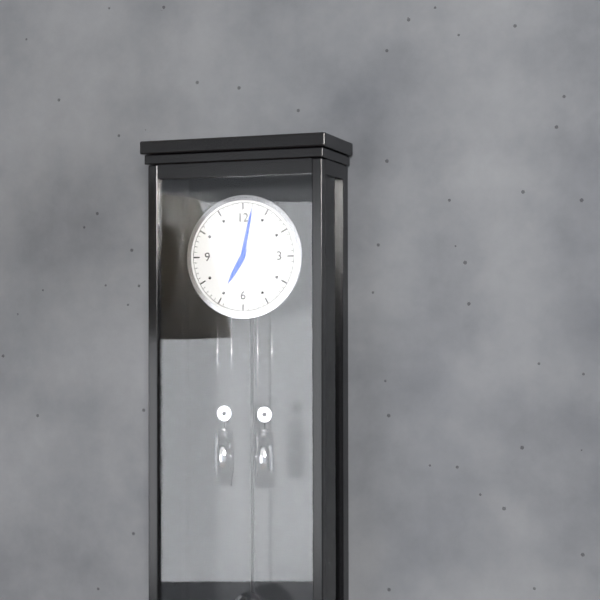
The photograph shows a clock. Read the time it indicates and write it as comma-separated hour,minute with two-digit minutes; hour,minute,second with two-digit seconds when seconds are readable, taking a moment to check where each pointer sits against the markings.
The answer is 7,02
